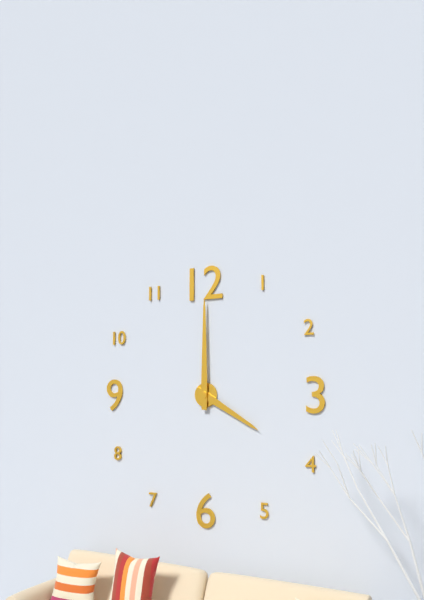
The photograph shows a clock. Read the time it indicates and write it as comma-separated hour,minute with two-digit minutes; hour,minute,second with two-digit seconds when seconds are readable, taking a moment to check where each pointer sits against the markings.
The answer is 4,00
